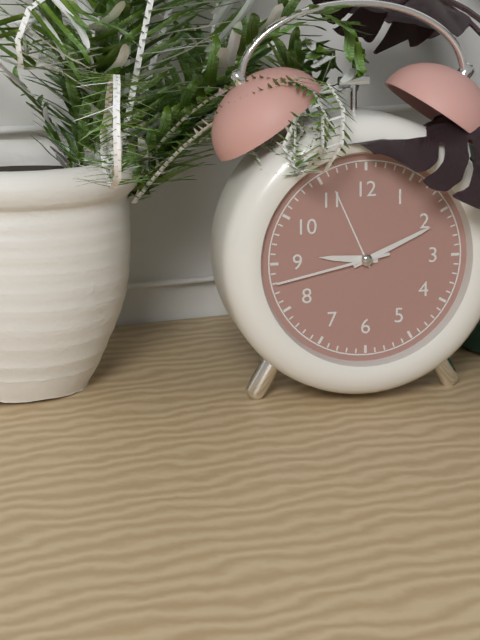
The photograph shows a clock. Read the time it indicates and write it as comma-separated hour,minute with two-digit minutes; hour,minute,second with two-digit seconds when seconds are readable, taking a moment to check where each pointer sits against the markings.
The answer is 9,11,43
